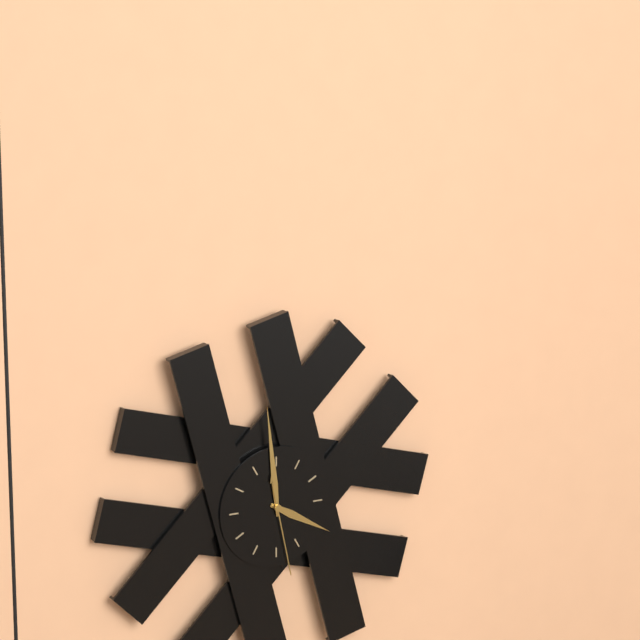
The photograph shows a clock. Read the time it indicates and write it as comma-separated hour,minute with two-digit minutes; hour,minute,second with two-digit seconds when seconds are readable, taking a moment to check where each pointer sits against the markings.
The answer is 3,59,28
